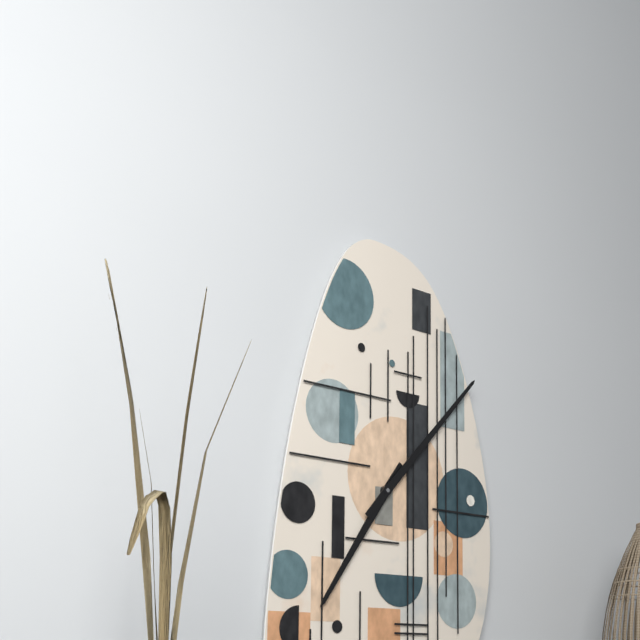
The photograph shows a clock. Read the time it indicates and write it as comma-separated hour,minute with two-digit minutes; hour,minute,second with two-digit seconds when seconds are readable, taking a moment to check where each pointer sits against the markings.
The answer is 7,07
